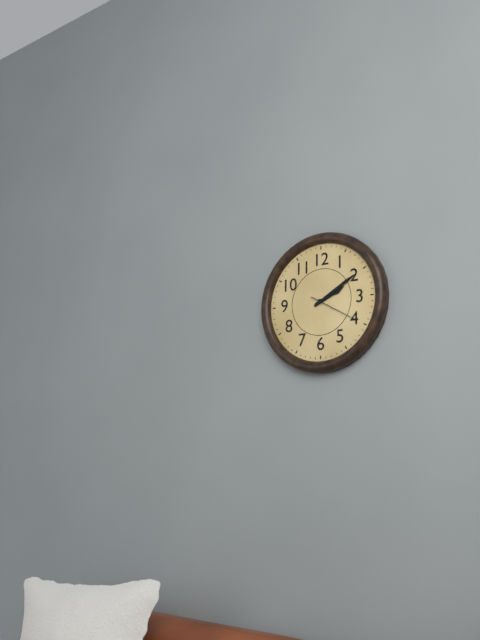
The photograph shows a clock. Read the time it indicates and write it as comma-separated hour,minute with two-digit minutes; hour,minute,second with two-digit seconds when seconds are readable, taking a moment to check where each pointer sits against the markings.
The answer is 2,10,20
